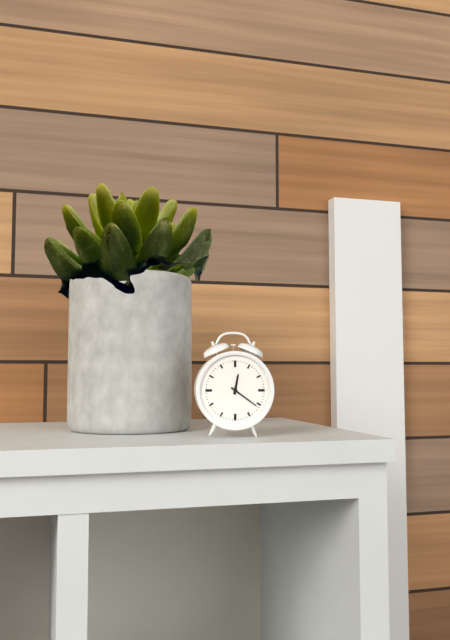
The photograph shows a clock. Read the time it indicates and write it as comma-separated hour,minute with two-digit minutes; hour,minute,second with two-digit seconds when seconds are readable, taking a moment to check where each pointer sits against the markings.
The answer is 12,21
